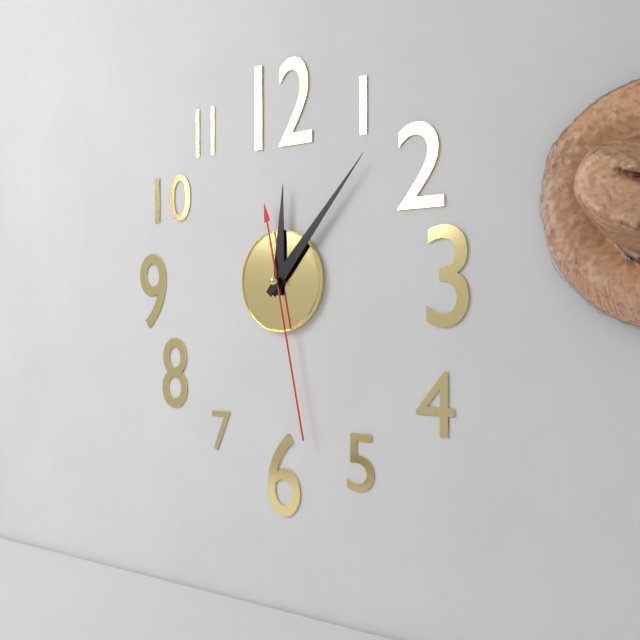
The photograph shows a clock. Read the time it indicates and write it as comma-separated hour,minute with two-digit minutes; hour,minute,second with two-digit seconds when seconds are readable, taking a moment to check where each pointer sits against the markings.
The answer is 12,07,28
